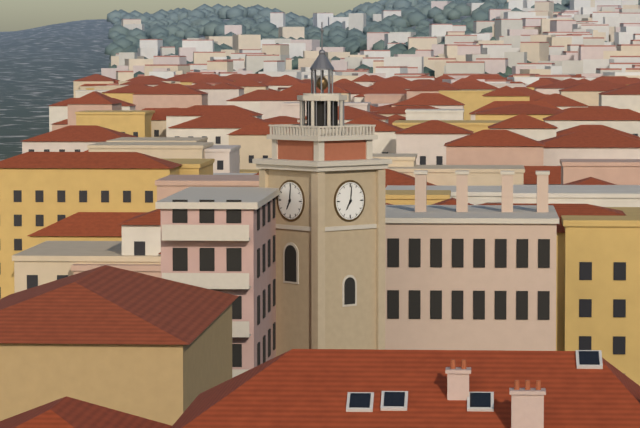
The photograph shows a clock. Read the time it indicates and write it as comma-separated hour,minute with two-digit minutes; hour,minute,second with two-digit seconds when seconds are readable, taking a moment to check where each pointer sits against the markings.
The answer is 7,01
